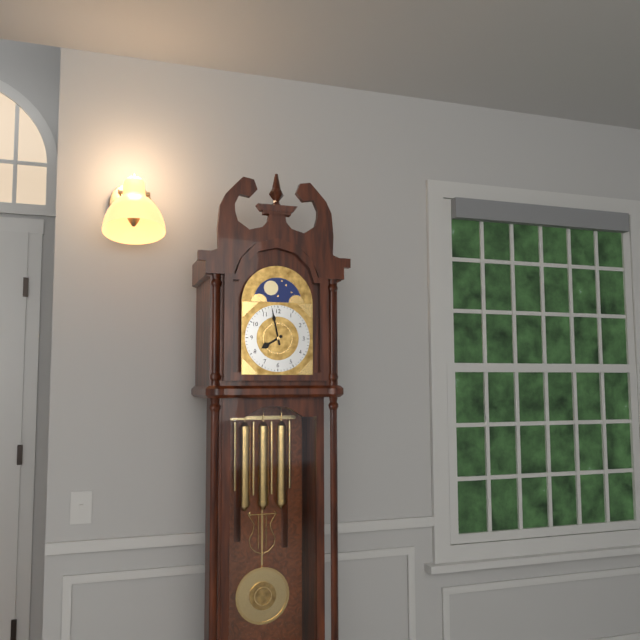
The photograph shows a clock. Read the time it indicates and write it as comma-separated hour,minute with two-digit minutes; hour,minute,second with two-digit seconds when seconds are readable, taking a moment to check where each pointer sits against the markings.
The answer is 7,58
